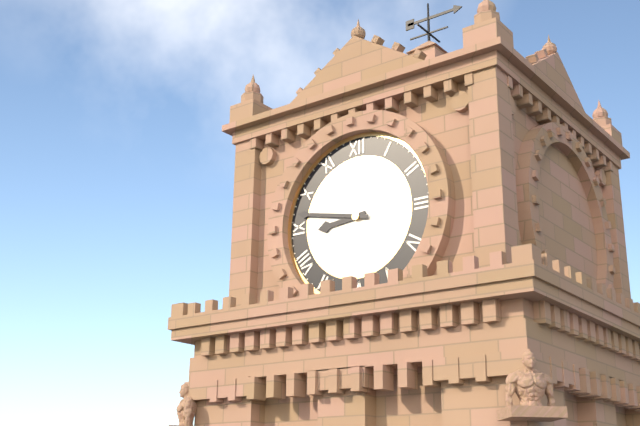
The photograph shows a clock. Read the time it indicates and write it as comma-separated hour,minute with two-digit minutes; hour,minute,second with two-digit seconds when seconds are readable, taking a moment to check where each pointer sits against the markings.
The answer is 8,47
